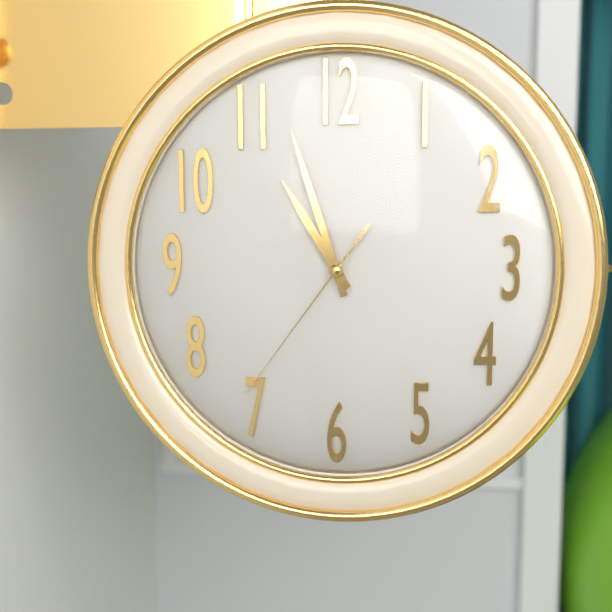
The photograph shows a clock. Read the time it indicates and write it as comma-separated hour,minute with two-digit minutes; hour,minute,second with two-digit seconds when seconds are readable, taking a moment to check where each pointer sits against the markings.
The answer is 10,57,36
